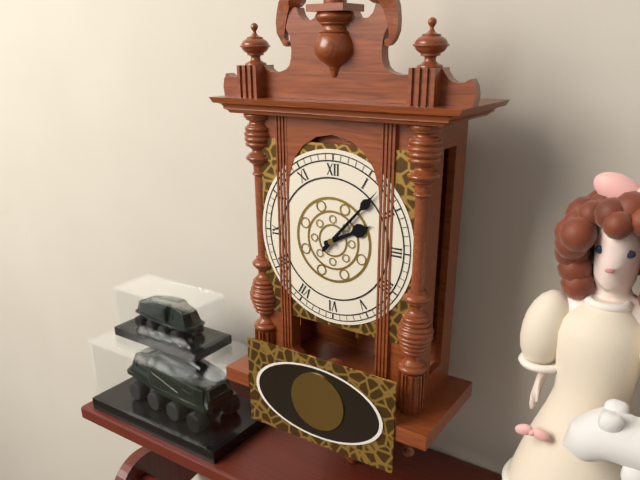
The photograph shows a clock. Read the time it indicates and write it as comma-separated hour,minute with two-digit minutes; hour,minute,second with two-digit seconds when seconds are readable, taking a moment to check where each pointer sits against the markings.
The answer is 2,07
